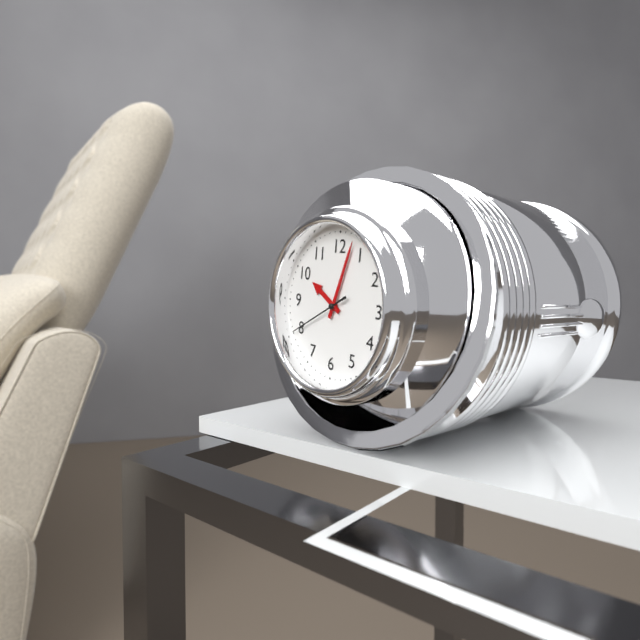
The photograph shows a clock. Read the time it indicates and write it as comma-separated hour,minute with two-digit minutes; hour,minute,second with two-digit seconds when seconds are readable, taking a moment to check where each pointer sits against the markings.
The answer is 10,03,40
